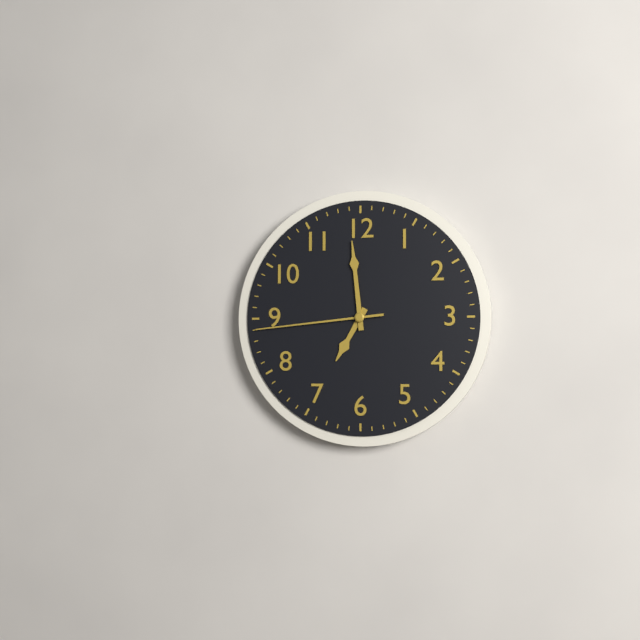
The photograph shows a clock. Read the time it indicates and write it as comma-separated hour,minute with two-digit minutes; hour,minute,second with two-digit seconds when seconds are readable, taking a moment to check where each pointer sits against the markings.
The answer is 6,59,44
